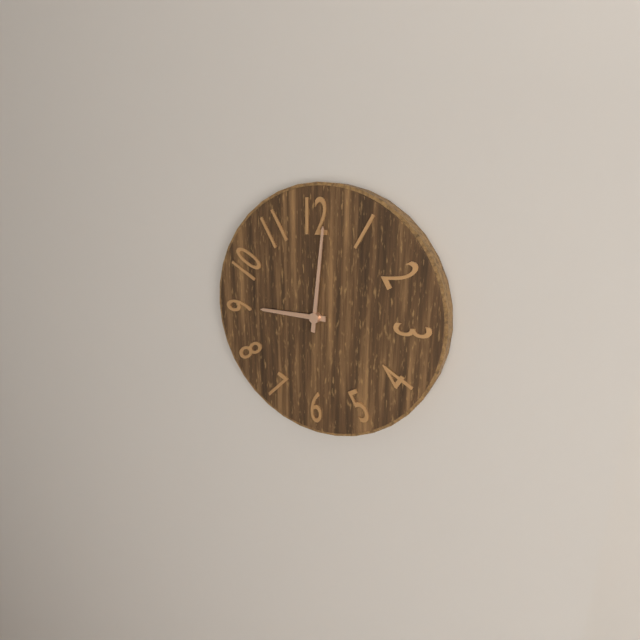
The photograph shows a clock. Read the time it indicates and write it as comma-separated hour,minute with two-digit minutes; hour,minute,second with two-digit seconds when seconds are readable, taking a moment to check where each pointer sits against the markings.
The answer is 9,01
